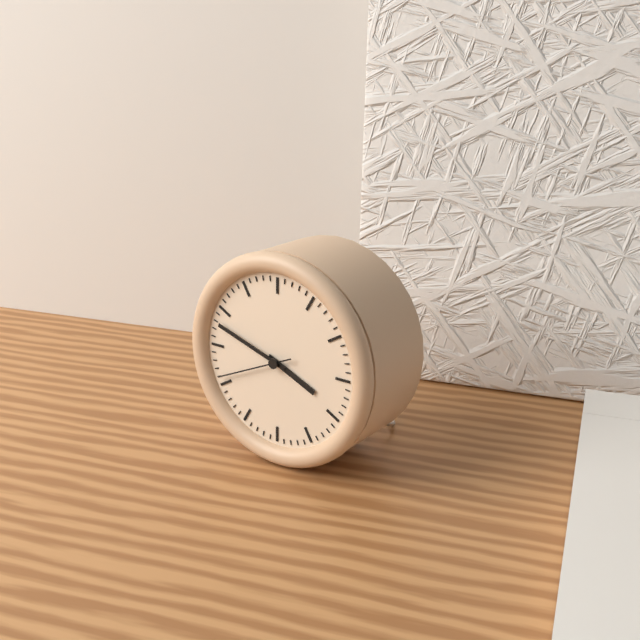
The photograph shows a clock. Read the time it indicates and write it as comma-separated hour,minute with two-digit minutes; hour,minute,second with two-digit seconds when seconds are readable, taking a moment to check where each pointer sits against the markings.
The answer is 3,48,41
